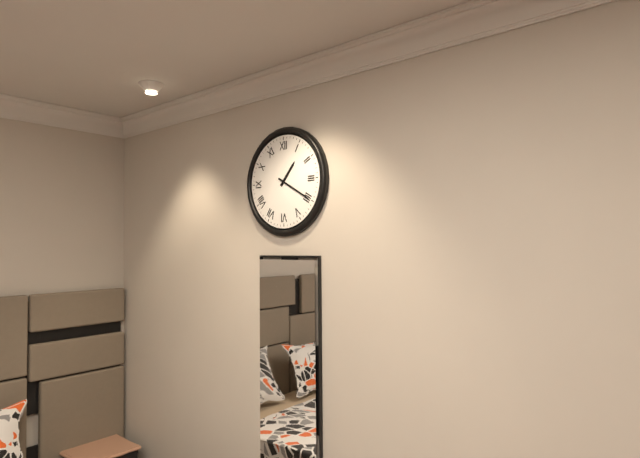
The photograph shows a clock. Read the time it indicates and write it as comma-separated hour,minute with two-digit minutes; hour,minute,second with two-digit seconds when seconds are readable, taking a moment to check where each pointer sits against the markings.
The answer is 1,20
